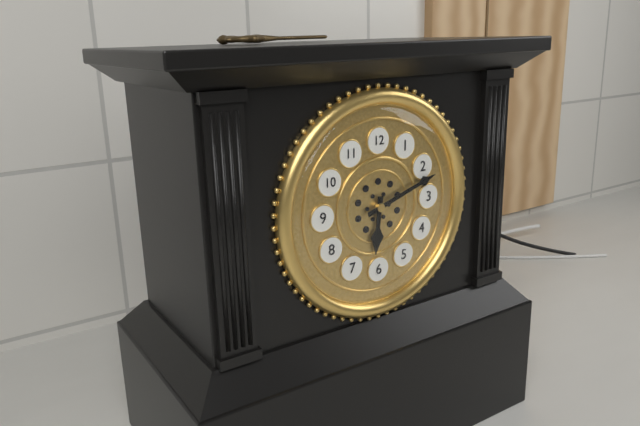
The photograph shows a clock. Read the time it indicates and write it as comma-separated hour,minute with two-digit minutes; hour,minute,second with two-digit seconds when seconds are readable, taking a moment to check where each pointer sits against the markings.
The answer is 6,12
